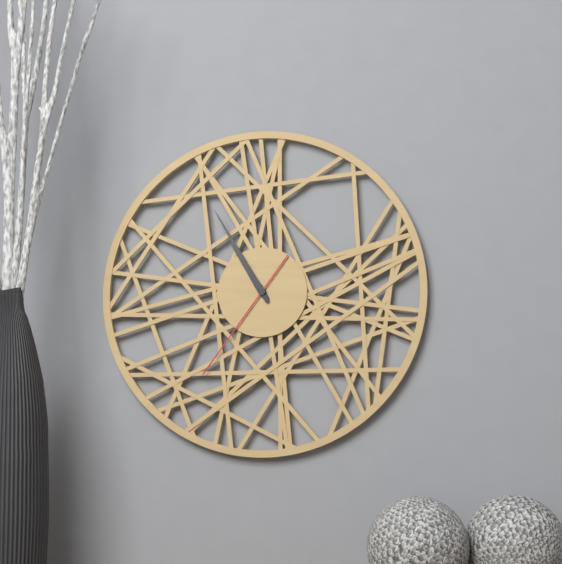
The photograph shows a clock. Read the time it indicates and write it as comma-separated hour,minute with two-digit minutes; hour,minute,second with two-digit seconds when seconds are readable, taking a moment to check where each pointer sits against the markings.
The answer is 10,55,36
